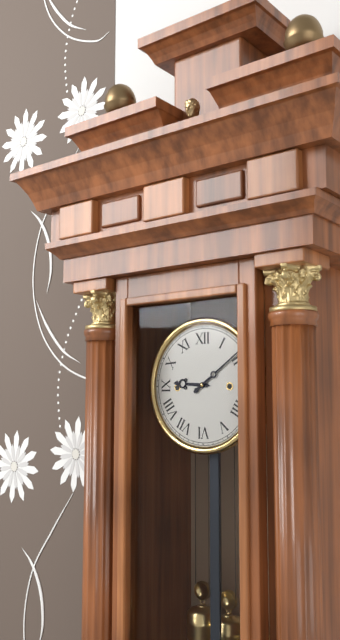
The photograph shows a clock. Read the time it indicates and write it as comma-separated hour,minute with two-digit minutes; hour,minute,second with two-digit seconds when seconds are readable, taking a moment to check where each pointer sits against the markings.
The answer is 9,09
